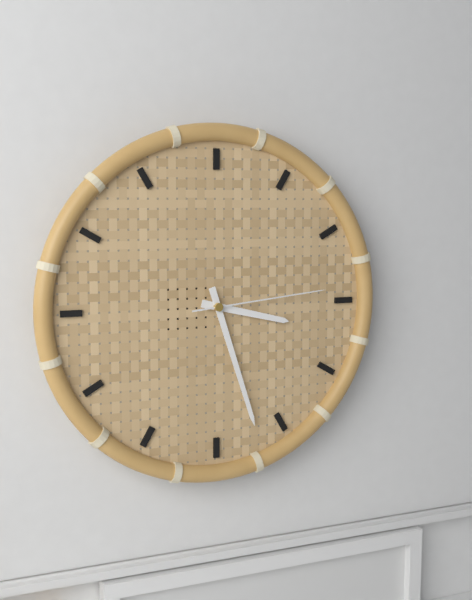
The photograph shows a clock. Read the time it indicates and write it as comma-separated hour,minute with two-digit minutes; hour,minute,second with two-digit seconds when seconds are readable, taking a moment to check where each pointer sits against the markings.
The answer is 3,27,14
